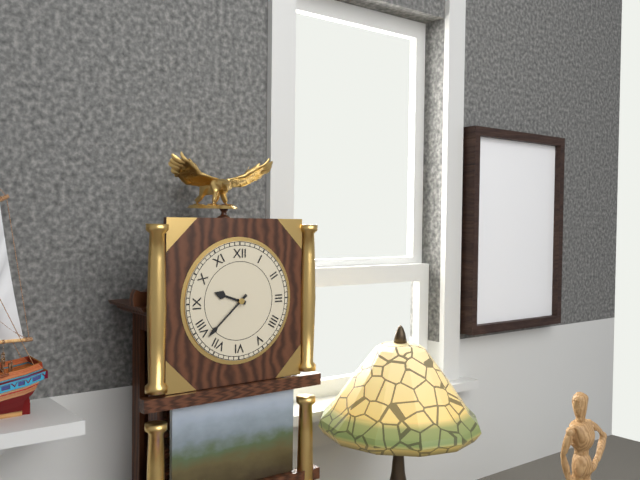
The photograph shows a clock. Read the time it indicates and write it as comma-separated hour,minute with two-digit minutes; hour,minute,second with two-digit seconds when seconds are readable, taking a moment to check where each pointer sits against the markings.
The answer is 9,38
